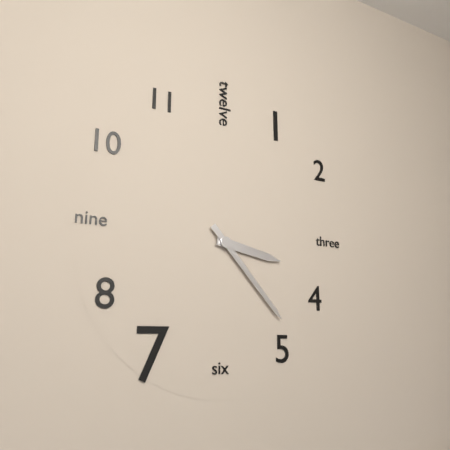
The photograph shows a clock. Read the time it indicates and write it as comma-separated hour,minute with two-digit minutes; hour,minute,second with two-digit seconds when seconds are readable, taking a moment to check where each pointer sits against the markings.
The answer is 3,23
